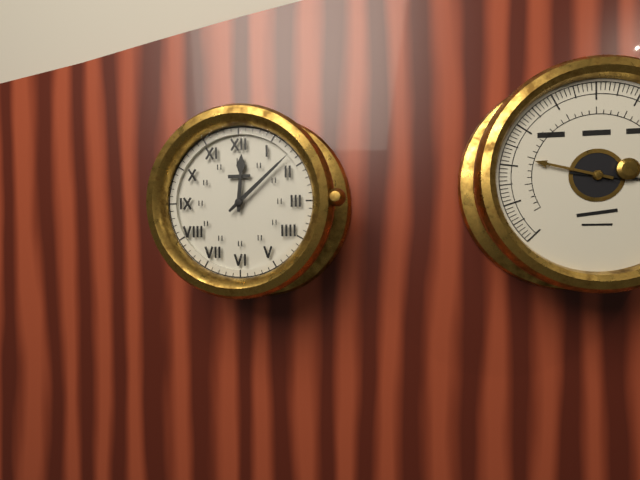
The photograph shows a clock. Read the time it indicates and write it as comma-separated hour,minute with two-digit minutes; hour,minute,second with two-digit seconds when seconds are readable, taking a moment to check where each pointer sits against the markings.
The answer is 12,08
